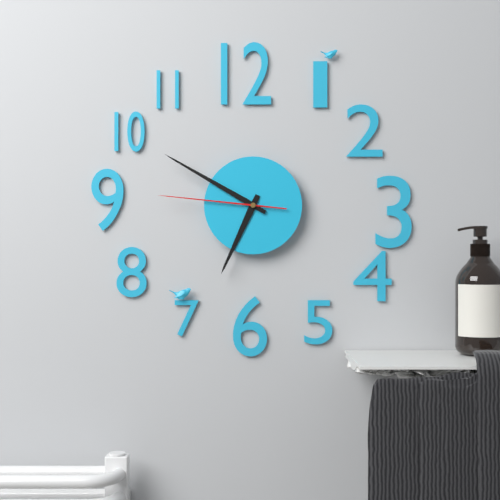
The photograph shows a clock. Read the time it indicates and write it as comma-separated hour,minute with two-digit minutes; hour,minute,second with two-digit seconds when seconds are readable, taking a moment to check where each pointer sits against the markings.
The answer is 6,50,46
